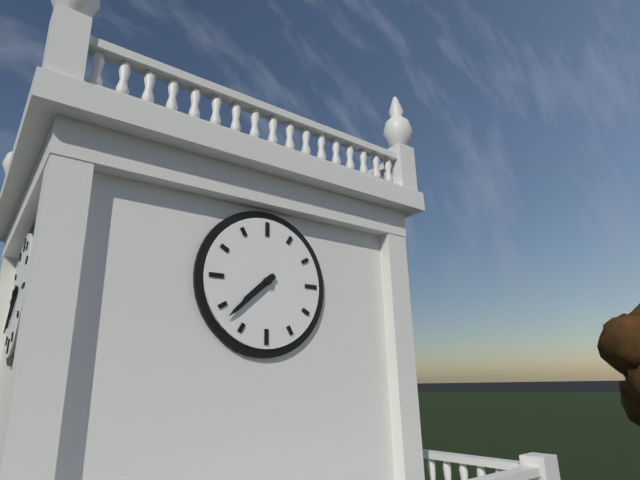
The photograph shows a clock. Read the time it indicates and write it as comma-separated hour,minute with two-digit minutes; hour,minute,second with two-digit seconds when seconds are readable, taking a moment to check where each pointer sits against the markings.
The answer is 7,38
